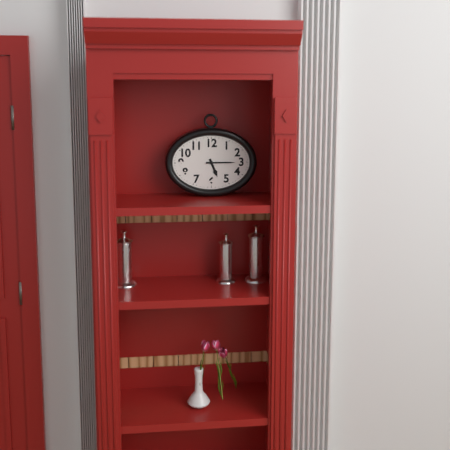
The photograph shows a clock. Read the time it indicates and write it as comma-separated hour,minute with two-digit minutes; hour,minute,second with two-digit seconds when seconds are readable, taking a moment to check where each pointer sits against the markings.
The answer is 5,15
